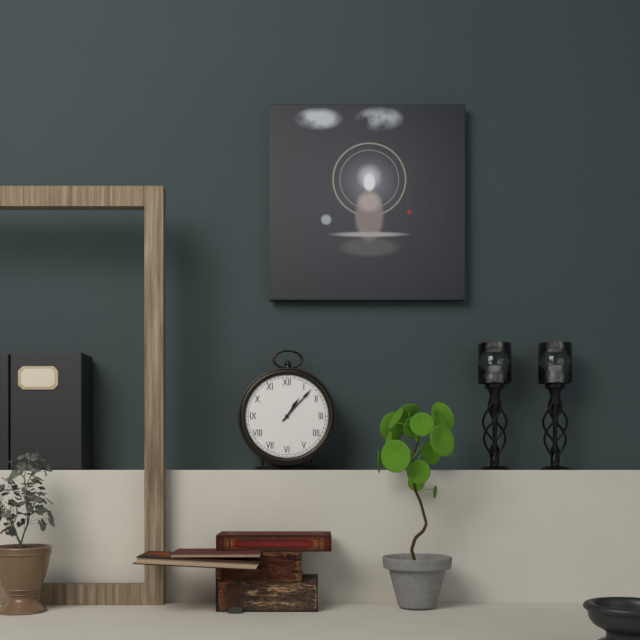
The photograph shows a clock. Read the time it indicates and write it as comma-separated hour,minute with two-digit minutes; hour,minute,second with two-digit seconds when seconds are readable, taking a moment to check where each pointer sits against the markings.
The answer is 1,07
